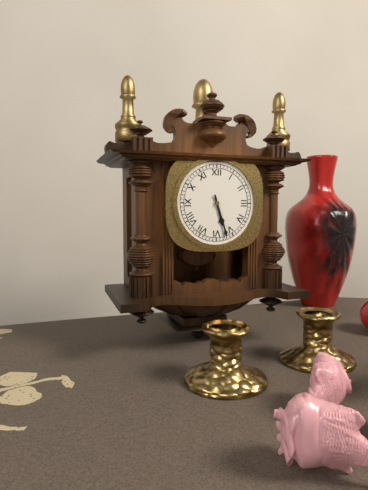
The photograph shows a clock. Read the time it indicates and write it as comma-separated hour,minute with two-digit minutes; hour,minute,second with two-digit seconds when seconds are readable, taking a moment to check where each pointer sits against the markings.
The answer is 5,27
